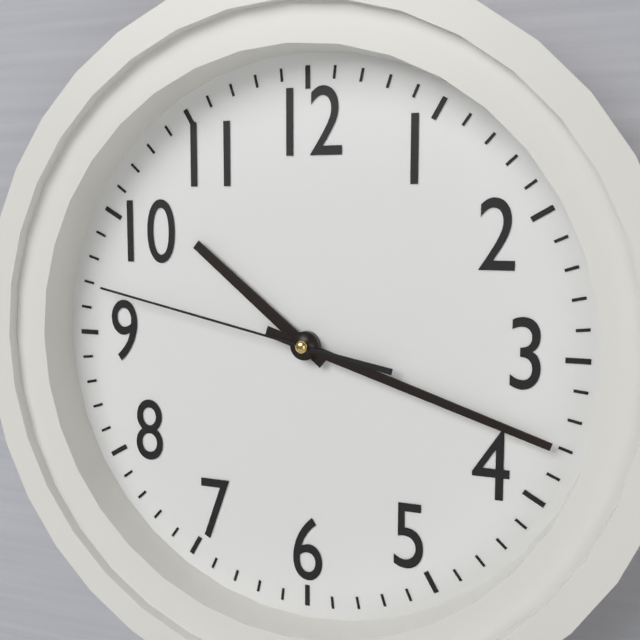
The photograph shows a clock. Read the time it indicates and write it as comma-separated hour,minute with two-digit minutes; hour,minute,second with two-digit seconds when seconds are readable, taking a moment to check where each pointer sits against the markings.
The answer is 10,18,47
